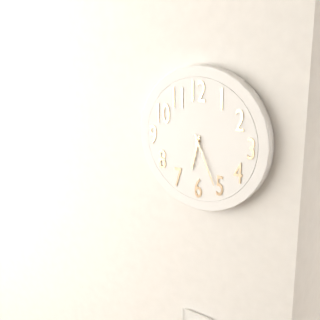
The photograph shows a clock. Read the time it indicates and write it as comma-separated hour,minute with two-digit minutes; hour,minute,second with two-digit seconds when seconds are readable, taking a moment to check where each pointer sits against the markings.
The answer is 6,26
